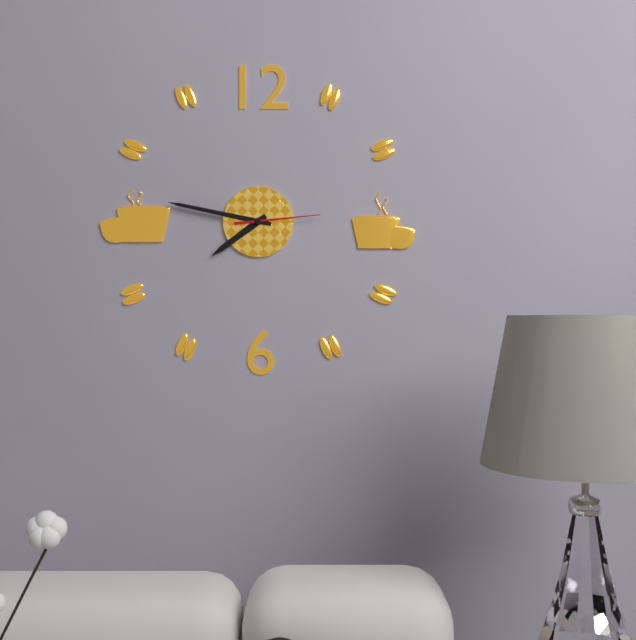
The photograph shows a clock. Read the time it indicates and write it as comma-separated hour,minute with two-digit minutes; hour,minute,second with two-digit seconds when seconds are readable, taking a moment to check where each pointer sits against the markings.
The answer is 7,47,14
